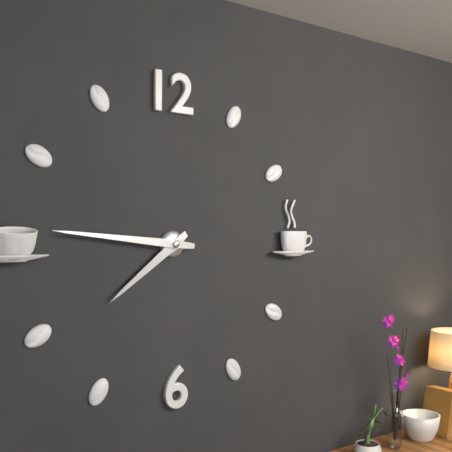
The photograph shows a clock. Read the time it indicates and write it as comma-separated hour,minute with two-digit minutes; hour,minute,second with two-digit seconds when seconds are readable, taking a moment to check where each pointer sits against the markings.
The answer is 7,46
